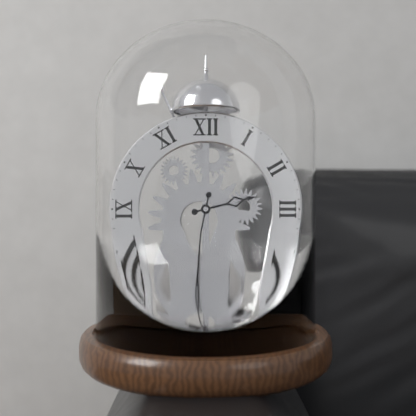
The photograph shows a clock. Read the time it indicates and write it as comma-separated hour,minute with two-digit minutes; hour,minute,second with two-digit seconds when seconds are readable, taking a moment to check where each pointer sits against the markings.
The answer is 2,32
